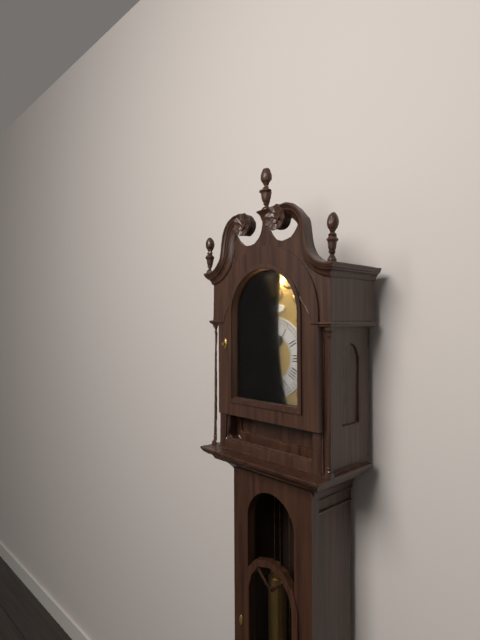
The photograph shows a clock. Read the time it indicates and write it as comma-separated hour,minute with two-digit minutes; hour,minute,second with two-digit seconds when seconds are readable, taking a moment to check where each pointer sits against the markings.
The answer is 12,54
